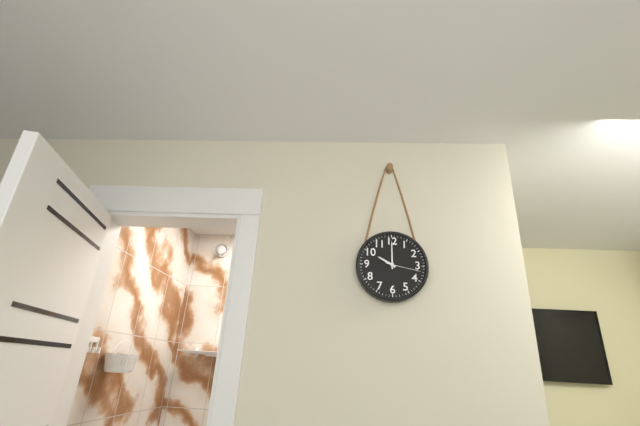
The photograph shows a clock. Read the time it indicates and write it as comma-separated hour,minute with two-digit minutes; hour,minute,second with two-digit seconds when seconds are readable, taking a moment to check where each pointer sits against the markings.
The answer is 10,00
